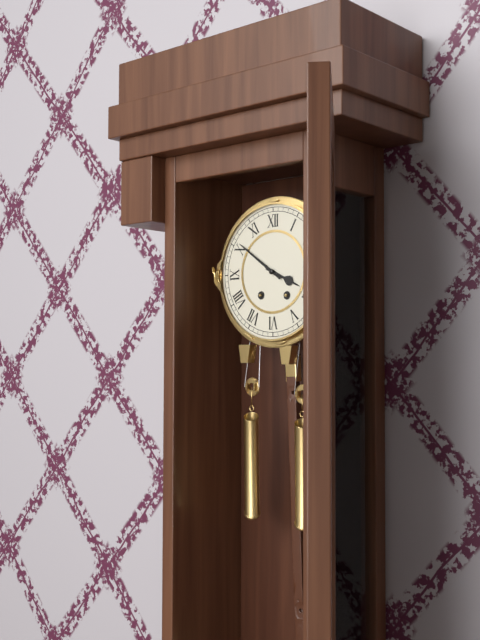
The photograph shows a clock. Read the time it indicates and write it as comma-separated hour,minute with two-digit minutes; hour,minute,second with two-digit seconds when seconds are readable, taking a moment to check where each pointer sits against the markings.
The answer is 3,51
